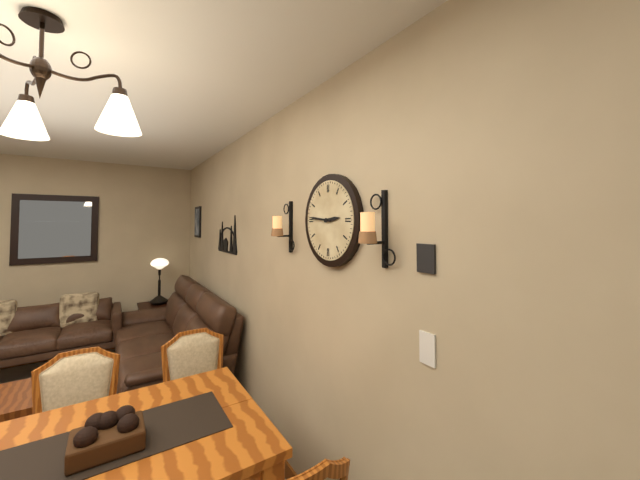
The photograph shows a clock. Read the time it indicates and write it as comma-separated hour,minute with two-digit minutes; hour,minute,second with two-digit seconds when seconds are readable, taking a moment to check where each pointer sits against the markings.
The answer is 2,46
